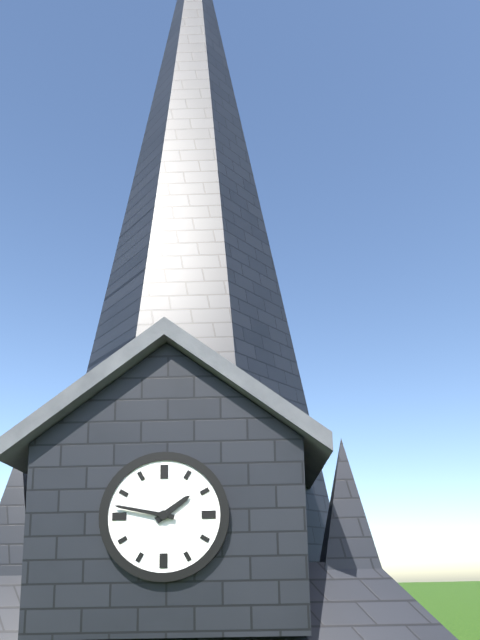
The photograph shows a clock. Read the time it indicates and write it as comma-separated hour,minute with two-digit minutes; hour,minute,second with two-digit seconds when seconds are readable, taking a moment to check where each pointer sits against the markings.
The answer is 1,47
